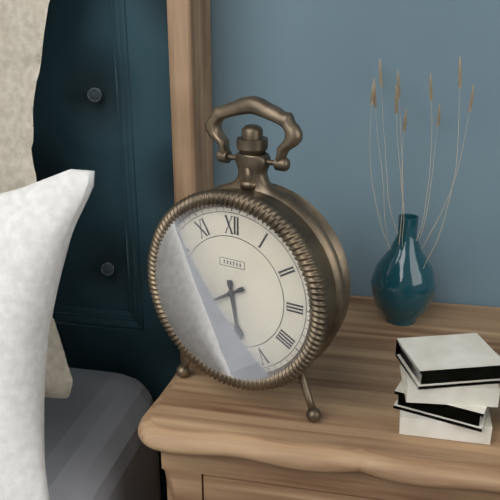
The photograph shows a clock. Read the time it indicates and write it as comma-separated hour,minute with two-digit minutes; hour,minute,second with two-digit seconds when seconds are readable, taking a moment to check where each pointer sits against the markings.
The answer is 5,40
